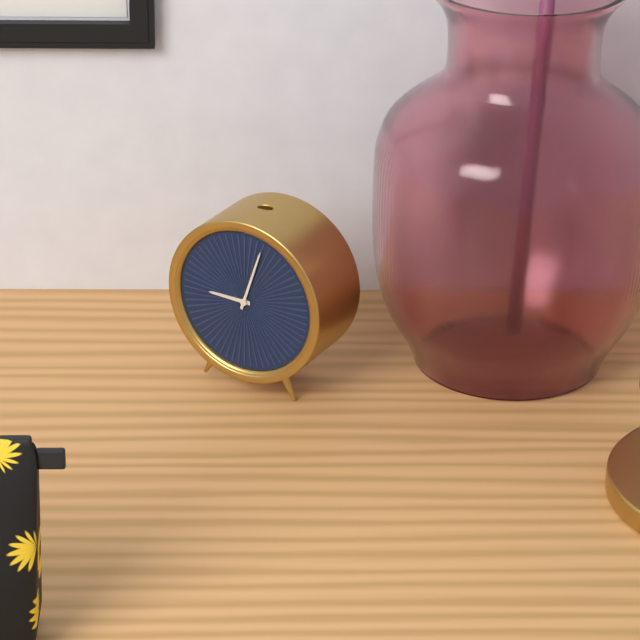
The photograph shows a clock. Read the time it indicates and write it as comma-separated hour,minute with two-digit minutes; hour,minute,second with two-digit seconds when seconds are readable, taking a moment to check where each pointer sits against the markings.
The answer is 9,03
